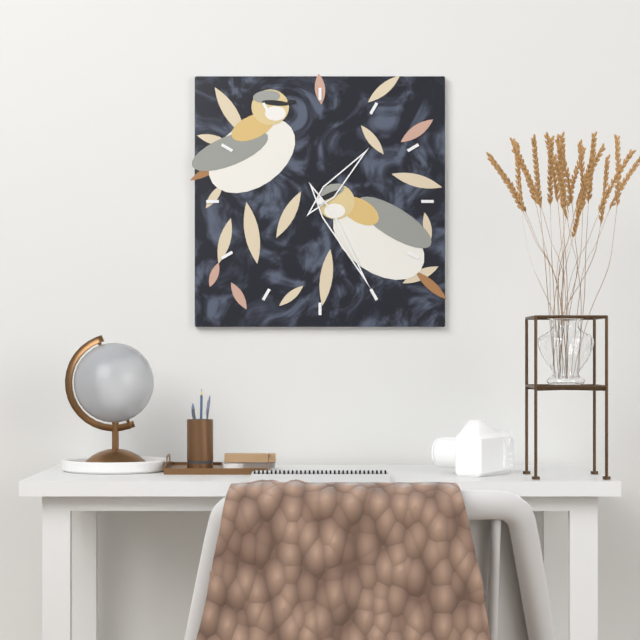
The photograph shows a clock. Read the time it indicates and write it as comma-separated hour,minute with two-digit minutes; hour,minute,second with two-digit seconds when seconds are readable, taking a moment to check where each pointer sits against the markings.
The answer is 1,25
